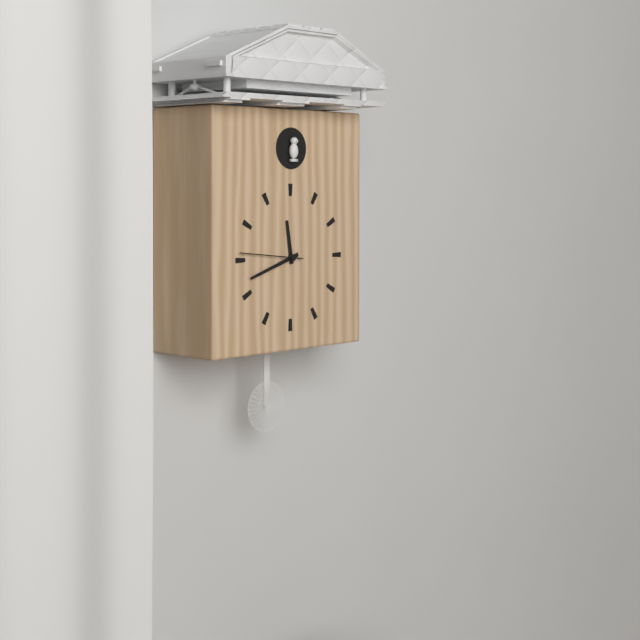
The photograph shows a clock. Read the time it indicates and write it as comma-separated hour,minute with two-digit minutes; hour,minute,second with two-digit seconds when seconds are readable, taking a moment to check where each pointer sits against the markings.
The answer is 11,42,46
